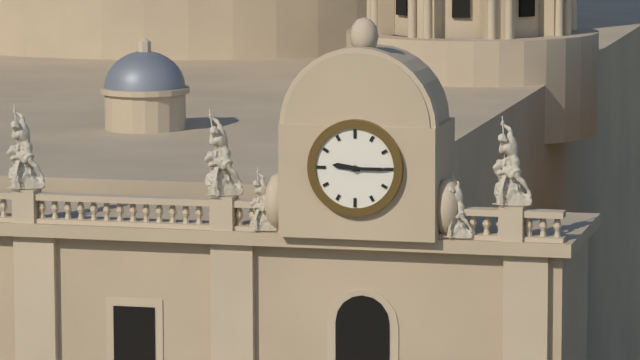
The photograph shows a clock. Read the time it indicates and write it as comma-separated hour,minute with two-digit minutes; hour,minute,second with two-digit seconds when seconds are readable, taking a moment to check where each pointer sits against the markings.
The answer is 9,15
